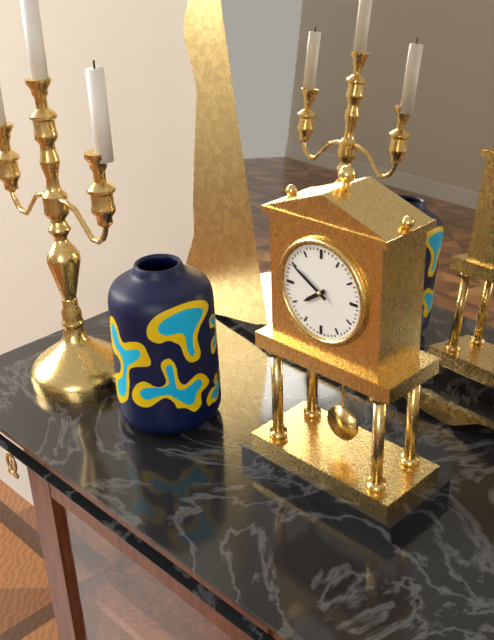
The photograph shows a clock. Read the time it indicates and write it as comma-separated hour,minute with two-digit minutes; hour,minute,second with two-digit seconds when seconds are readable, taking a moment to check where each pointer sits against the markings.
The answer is 7,50
